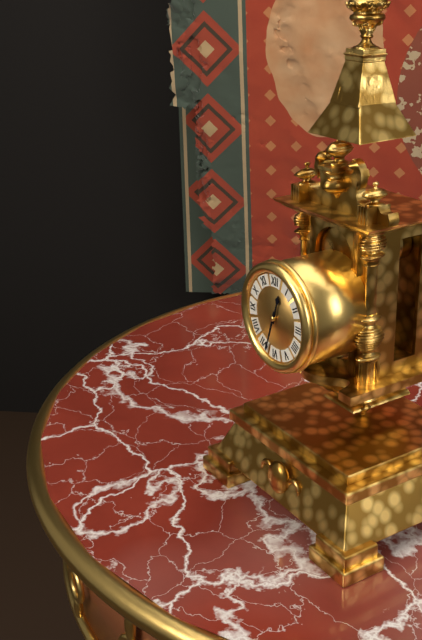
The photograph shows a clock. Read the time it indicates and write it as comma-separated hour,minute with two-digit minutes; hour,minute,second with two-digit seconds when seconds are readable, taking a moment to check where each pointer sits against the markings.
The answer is 12,33
